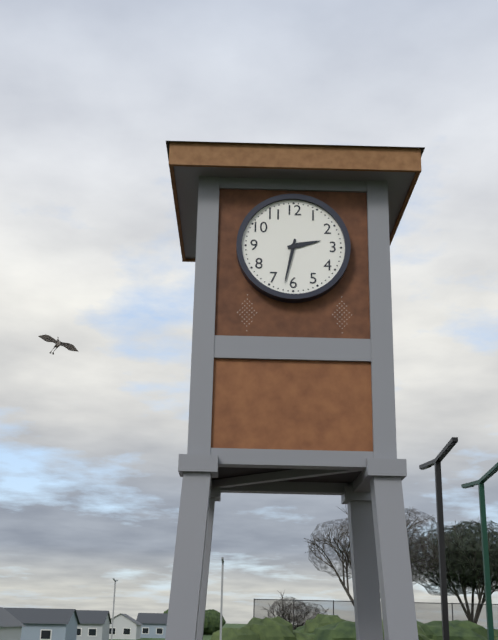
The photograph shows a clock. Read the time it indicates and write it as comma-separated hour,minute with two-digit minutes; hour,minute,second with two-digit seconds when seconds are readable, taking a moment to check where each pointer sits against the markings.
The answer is 2,32
